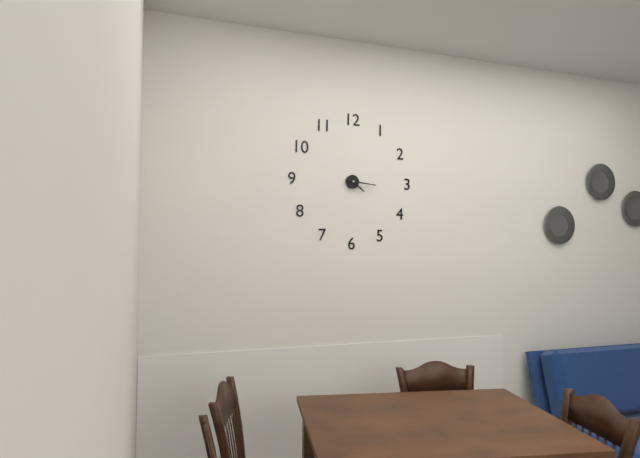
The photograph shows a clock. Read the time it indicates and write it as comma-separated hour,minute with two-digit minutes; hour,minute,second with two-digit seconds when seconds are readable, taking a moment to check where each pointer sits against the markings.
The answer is 4,16
